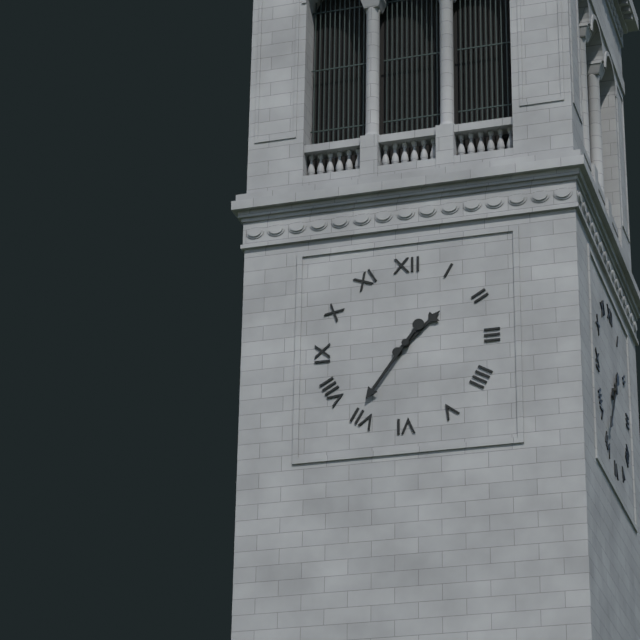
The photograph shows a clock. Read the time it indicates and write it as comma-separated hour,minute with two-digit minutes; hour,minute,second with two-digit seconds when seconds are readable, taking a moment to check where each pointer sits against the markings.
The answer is 1,36
